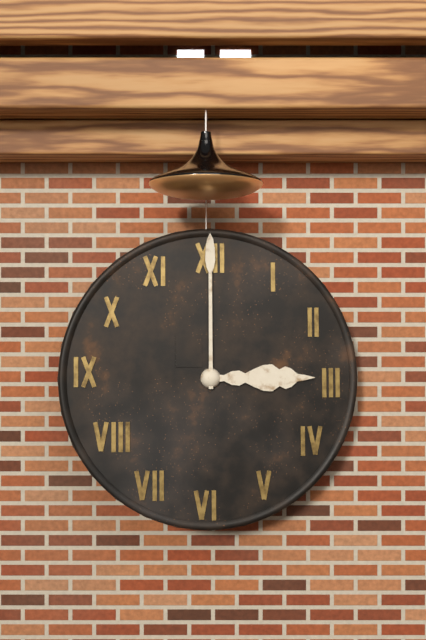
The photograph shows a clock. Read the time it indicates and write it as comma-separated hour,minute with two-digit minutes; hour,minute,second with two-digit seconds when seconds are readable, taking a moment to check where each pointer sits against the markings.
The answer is 3,00
